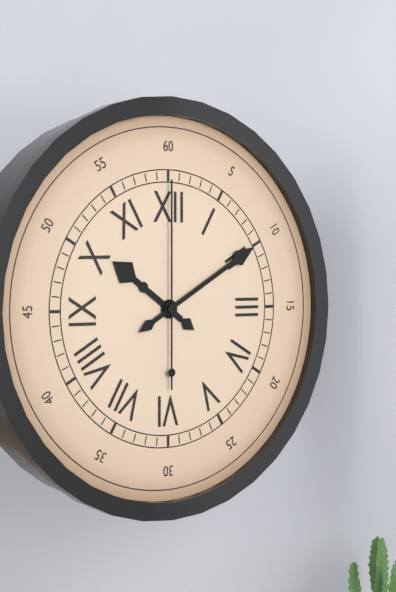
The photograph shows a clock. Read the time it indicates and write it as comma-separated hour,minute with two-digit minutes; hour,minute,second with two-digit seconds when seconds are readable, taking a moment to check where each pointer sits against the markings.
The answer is 10,10,00
